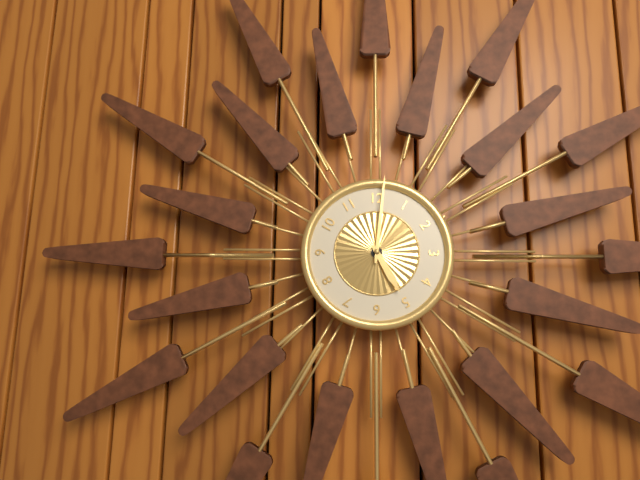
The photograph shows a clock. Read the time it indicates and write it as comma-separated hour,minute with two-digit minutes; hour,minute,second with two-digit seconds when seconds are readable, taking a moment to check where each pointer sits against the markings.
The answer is 5,01
